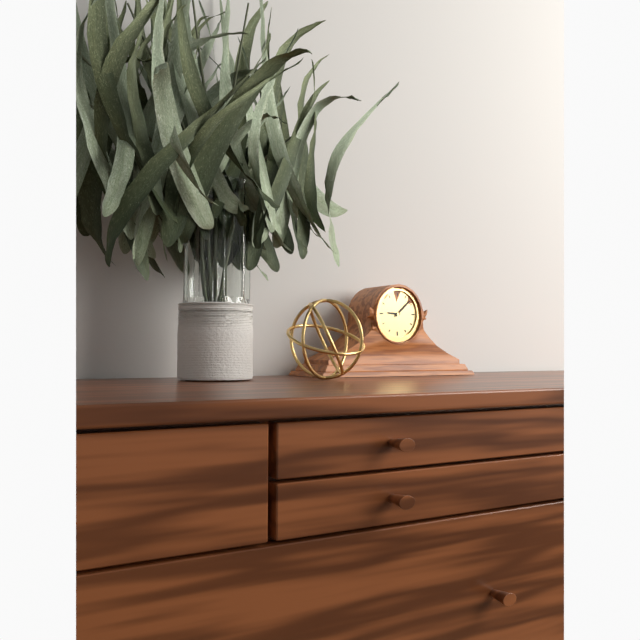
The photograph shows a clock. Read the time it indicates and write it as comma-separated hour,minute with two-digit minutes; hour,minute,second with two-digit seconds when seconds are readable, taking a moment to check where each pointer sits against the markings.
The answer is 9,08
